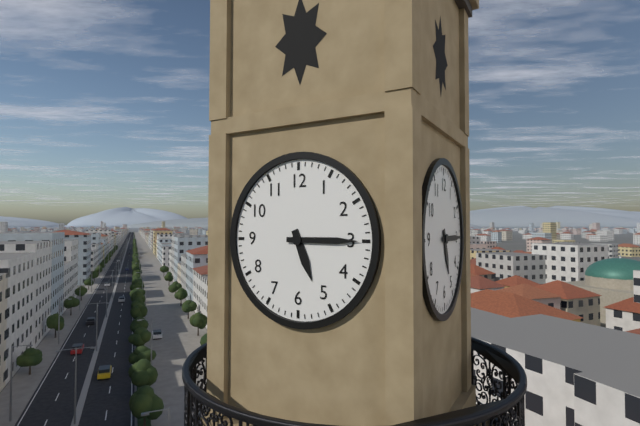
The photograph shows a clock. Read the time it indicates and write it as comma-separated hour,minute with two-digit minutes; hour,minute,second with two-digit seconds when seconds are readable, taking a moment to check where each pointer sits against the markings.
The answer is 5,15
